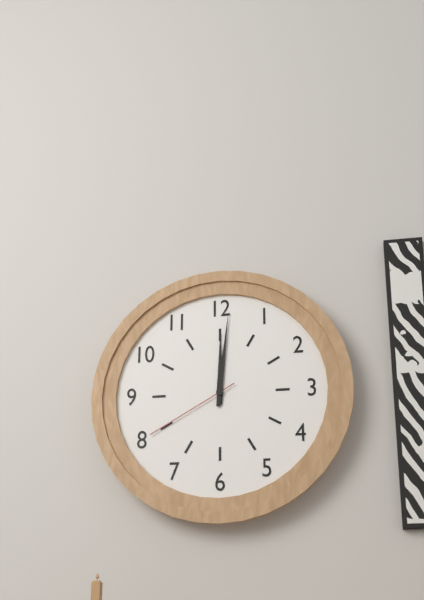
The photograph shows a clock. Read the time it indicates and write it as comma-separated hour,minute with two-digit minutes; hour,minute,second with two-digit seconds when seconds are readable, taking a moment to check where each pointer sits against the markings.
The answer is 12,01,40
